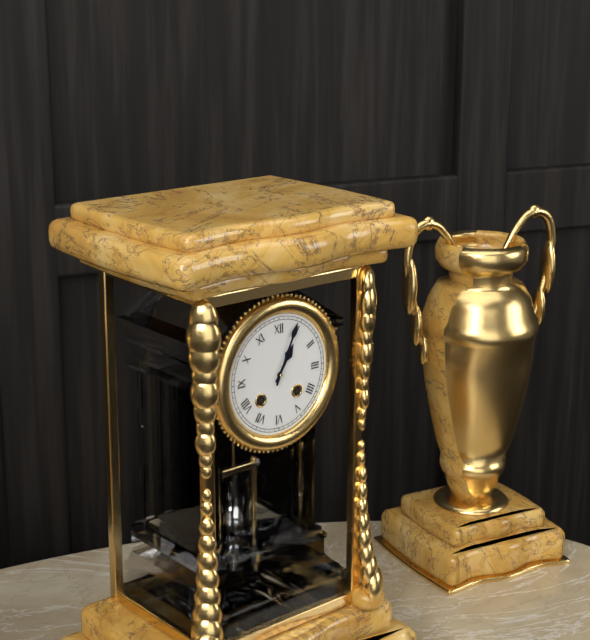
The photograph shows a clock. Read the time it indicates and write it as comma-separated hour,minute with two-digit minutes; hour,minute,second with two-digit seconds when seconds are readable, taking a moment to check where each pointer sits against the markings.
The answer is 1,04
